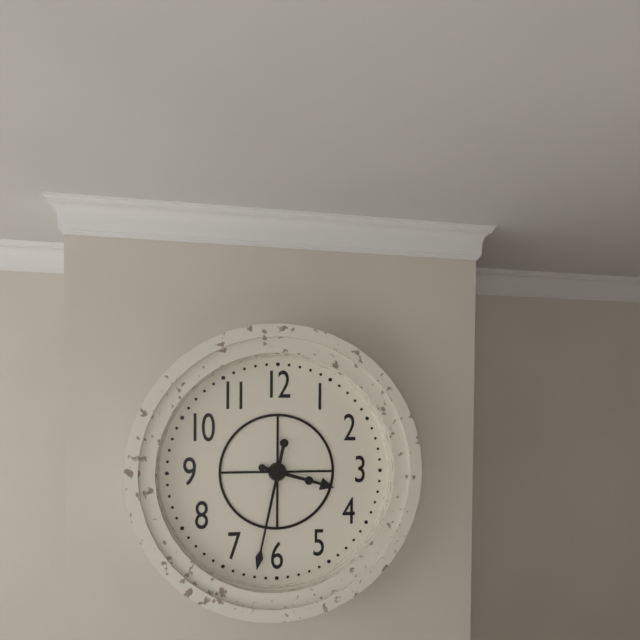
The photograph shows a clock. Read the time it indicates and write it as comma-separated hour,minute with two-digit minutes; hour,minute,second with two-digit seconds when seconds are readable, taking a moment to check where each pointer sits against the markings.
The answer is 3,32
